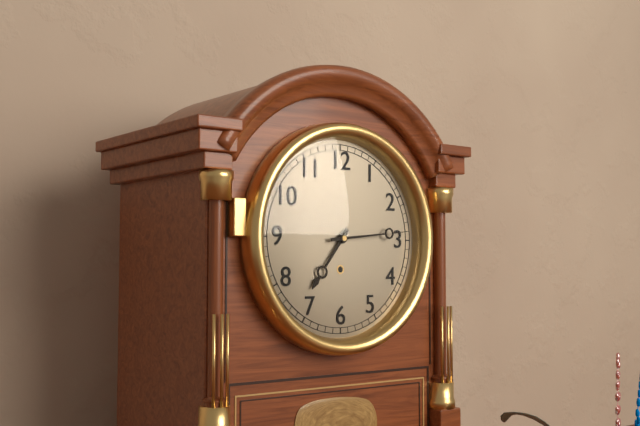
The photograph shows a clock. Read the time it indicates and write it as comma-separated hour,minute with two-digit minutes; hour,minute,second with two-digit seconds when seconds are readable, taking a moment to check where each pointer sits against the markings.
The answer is 7,14
